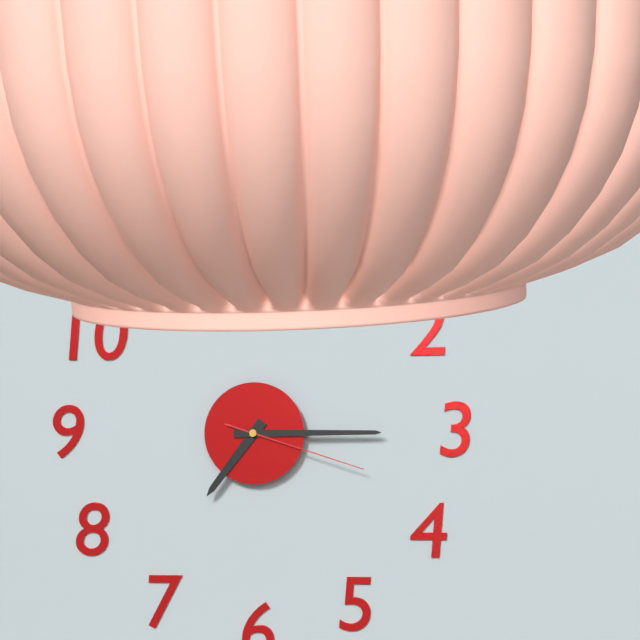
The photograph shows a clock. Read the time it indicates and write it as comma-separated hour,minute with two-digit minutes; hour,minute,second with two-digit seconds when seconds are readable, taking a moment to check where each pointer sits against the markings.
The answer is 7,15,18
